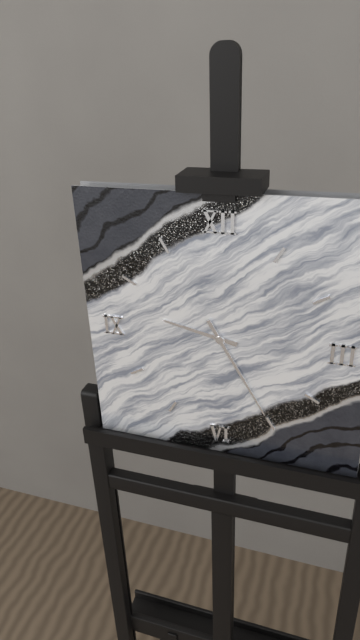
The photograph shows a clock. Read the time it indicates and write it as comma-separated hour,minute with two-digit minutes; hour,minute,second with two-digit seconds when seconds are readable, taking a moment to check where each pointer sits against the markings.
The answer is 9,25
